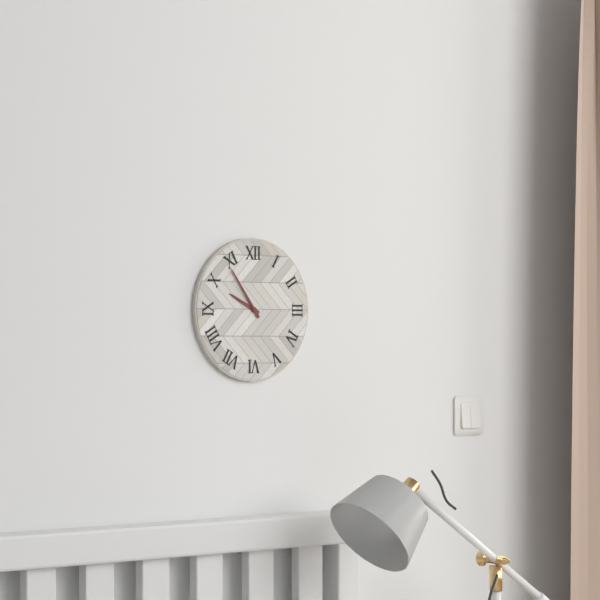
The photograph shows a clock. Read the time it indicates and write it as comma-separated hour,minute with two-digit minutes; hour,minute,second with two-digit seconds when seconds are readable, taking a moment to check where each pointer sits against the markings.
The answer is 9,54
